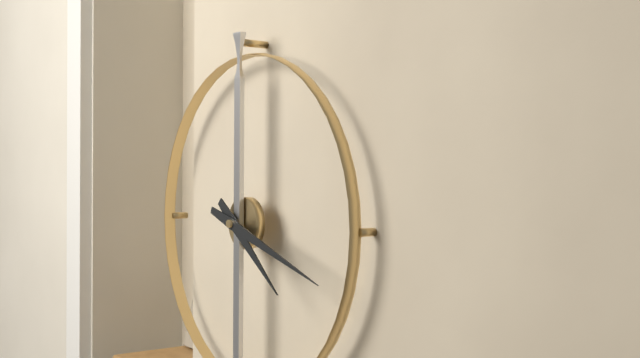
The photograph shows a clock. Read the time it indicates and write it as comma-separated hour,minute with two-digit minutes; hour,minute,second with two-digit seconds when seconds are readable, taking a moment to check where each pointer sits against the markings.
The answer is 4,18
